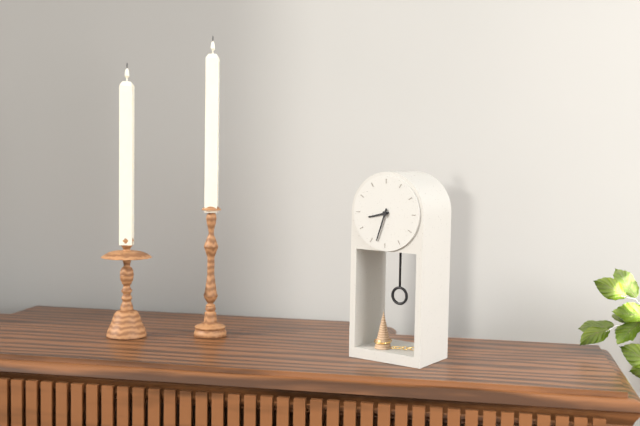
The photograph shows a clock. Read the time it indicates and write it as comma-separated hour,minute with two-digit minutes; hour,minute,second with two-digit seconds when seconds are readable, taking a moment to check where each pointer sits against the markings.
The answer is 8,33
